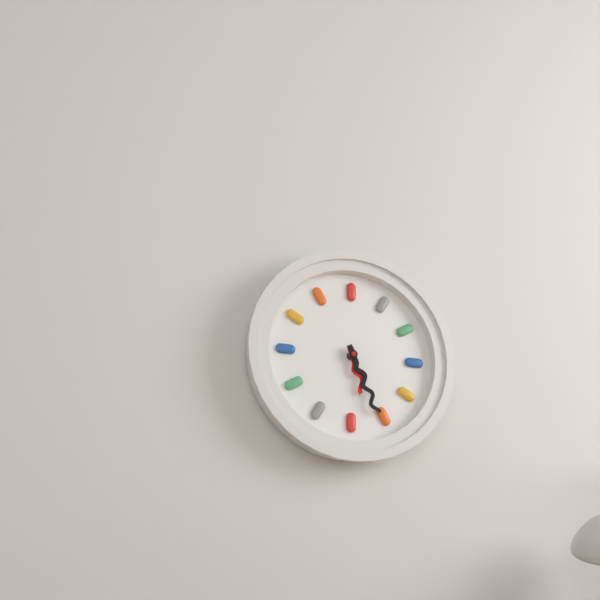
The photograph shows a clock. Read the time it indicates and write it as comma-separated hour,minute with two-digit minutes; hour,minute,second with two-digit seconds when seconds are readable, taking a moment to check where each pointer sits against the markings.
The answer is 5,26
